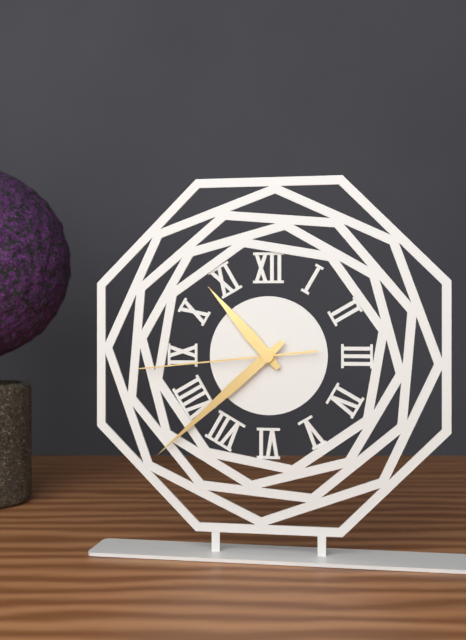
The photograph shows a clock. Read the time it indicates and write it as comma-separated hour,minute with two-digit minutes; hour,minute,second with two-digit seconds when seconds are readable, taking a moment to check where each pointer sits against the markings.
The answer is 10,38,44
